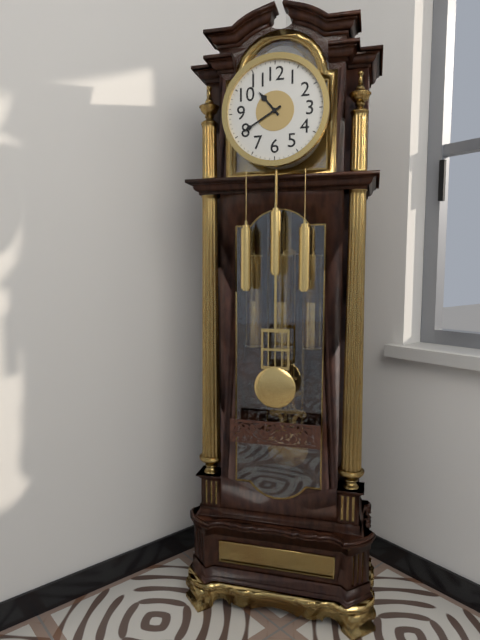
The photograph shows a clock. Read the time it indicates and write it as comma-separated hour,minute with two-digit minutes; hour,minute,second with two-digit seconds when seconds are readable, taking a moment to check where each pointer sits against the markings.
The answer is 10,40
